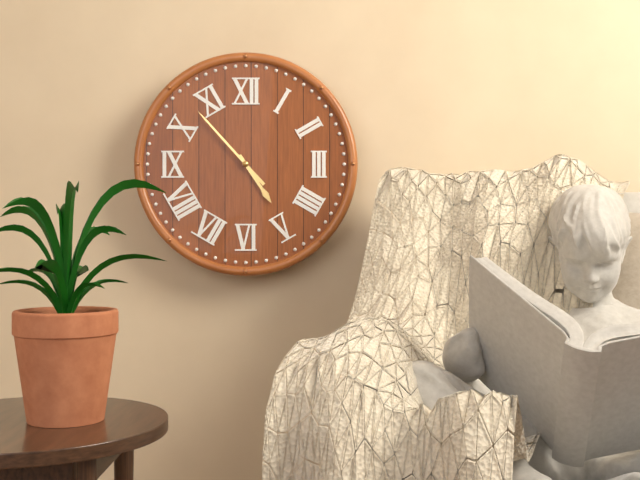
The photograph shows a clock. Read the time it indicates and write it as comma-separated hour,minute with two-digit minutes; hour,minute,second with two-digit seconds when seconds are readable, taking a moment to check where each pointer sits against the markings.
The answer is 4,53
